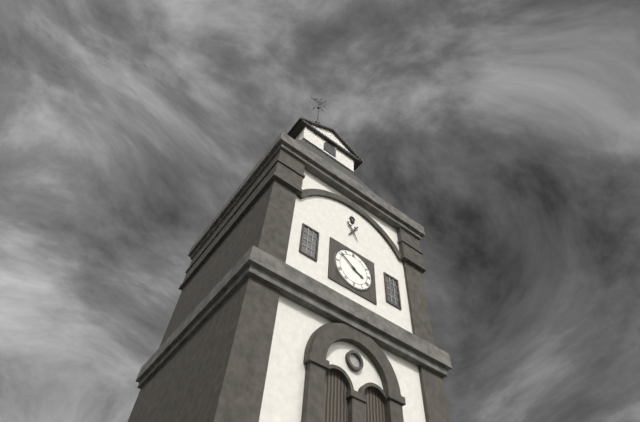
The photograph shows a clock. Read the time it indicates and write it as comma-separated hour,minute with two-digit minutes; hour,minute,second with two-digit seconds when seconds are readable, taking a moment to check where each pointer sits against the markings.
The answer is 3,51
